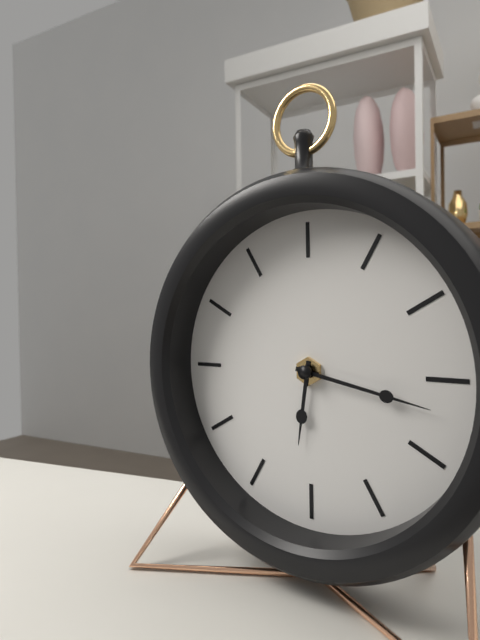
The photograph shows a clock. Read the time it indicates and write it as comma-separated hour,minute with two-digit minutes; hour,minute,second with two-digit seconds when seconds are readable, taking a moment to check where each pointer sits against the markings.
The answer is 6,17
